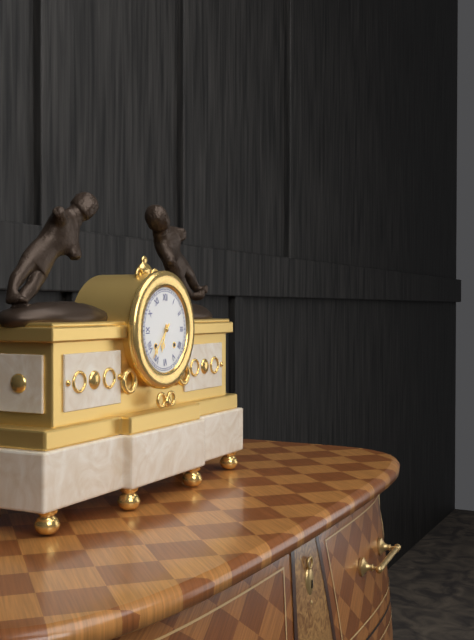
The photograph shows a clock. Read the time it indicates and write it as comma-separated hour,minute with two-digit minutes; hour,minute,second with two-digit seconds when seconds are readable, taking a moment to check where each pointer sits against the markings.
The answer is 6,37
